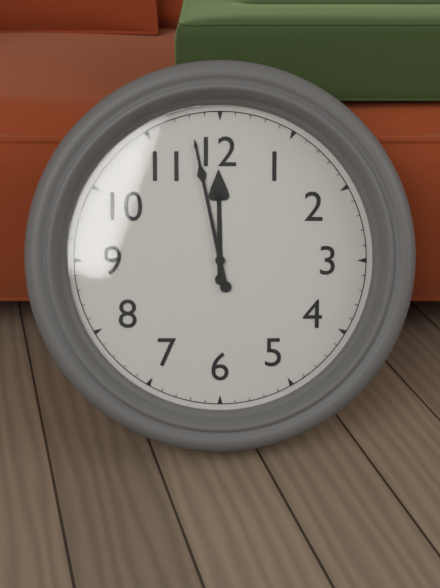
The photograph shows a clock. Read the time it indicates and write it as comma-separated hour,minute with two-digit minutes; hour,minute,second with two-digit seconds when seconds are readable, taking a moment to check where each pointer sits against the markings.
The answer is 11,58
